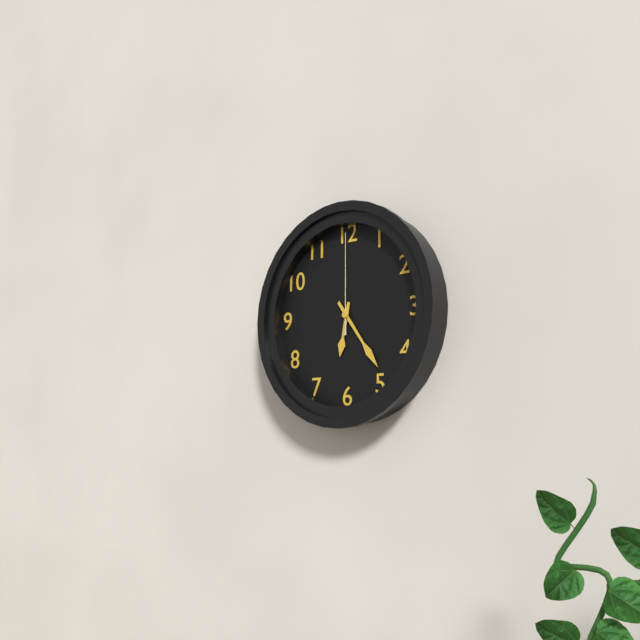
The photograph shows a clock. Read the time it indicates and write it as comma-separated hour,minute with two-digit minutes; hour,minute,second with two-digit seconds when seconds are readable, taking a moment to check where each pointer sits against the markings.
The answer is 6,24,00
